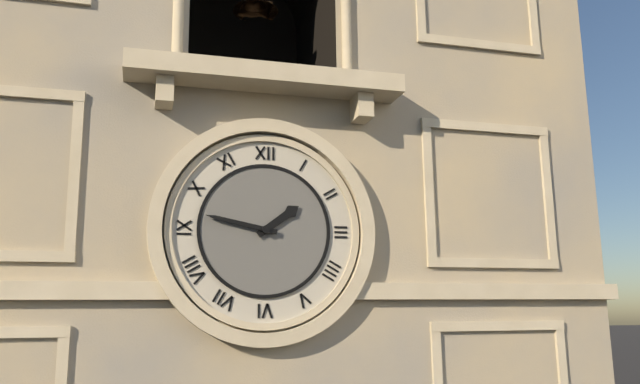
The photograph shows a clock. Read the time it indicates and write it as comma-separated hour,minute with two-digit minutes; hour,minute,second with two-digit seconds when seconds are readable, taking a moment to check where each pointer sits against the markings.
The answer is 1,47
